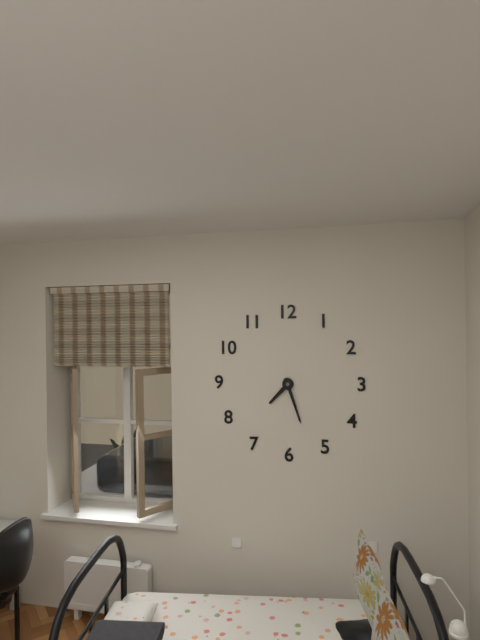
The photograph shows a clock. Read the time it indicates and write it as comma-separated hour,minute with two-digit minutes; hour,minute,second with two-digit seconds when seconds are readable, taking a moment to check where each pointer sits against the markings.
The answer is 7,27
